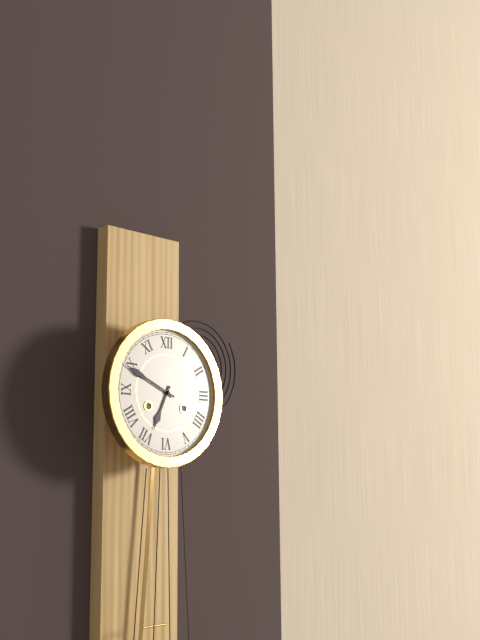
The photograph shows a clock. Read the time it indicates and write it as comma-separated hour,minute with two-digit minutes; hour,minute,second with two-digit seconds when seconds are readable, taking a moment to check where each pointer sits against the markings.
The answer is 6,49
